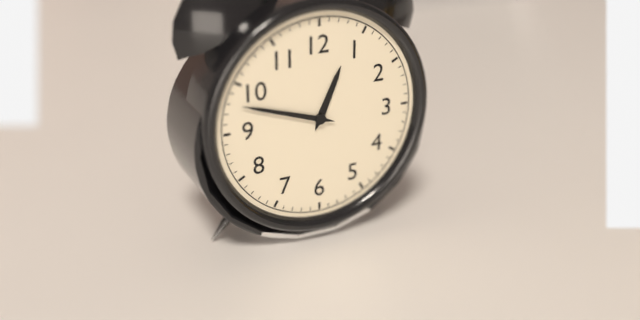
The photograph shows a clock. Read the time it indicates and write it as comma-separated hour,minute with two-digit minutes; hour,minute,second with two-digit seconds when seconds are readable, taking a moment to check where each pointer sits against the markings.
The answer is 12,48
